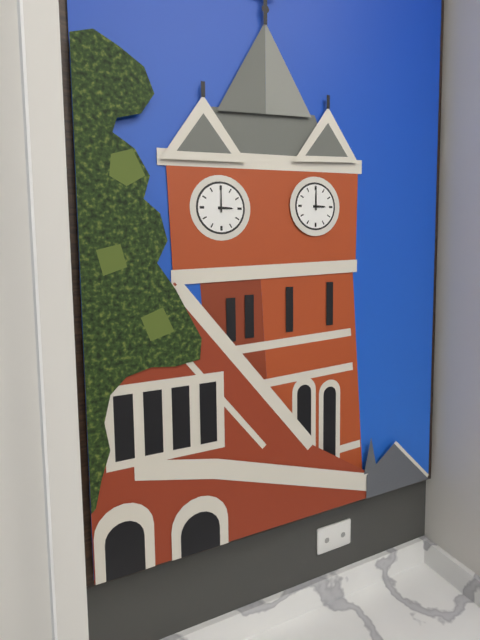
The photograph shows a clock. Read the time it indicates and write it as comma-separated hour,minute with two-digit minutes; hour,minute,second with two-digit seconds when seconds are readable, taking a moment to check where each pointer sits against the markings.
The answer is 3,00
